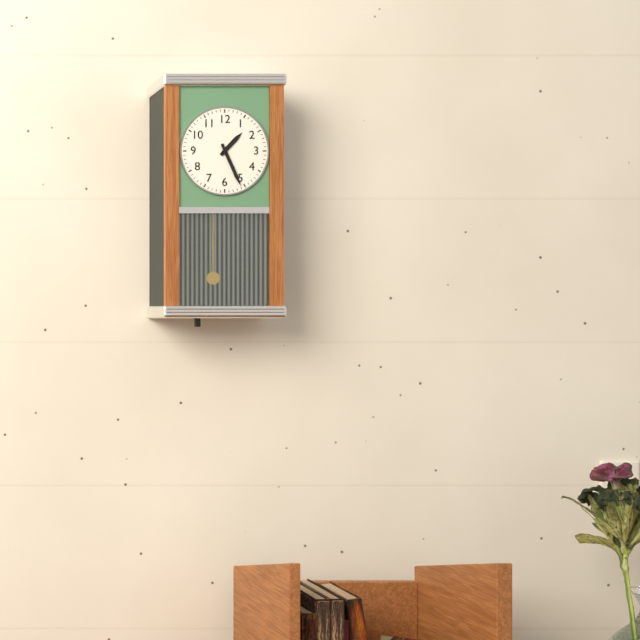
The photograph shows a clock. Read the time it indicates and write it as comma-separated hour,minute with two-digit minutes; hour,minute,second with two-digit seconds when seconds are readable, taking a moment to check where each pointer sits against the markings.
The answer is 1,26
